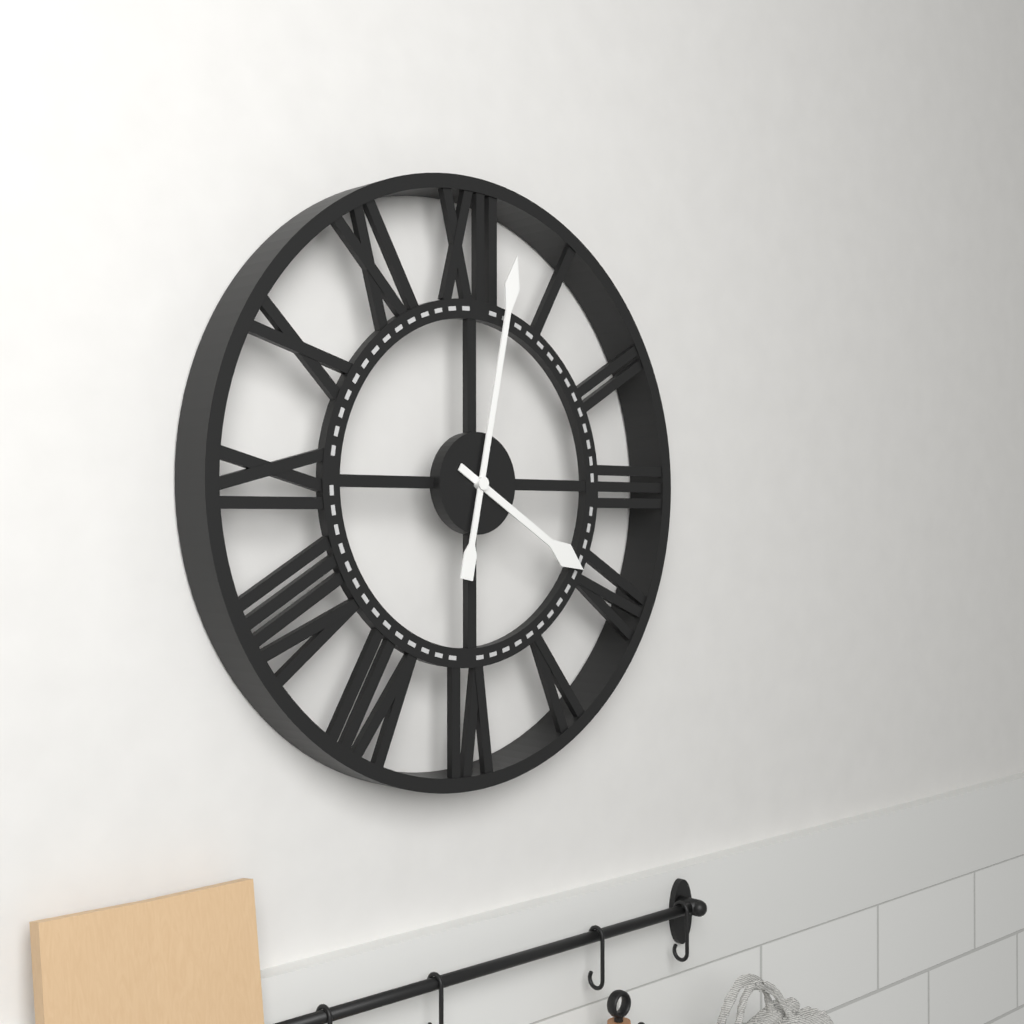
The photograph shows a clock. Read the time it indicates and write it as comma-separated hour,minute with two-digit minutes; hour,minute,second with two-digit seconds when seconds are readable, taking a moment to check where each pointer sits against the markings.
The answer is 4,02
